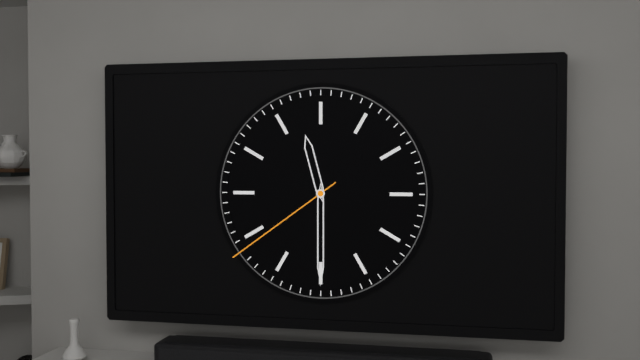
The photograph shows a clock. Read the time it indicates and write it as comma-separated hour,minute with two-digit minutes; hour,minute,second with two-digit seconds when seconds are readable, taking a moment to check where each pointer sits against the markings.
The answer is 11,30,39
